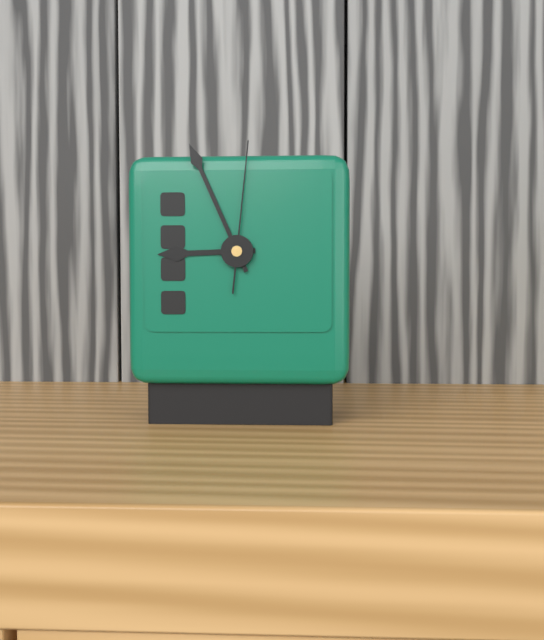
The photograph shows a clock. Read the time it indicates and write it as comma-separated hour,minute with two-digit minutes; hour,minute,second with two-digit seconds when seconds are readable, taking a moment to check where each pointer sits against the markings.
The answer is 8,56,01
